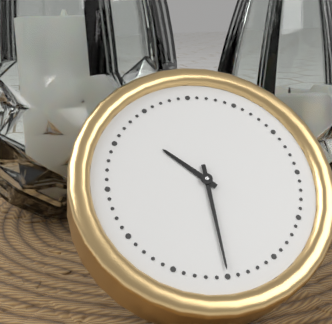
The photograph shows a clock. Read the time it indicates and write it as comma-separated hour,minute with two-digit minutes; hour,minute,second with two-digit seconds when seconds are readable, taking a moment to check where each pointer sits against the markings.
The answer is 10,30
